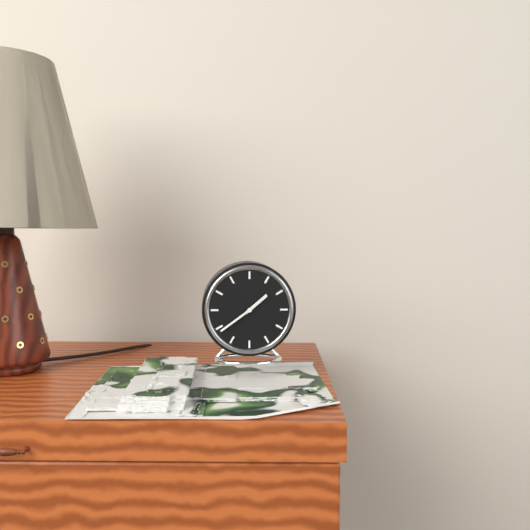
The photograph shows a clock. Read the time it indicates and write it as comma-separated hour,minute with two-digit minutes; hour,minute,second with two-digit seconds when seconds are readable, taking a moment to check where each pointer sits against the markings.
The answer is 1,39
